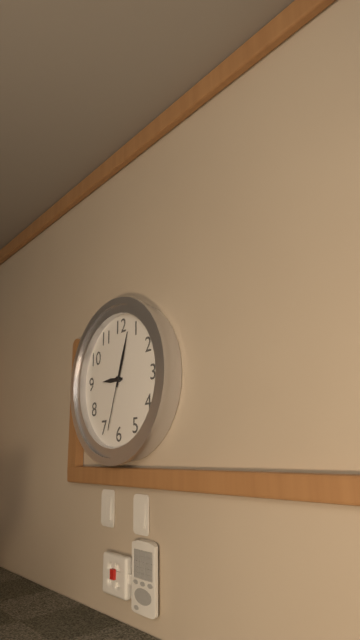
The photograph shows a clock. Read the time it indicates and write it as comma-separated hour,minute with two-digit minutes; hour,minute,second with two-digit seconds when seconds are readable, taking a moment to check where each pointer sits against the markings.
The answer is 9,03,33
